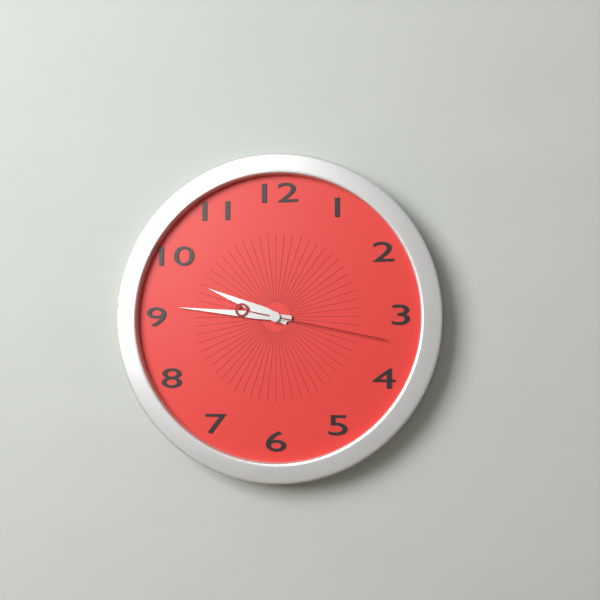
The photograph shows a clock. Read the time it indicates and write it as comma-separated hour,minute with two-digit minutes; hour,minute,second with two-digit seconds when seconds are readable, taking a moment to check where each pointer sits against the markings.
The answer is 9,46,17
